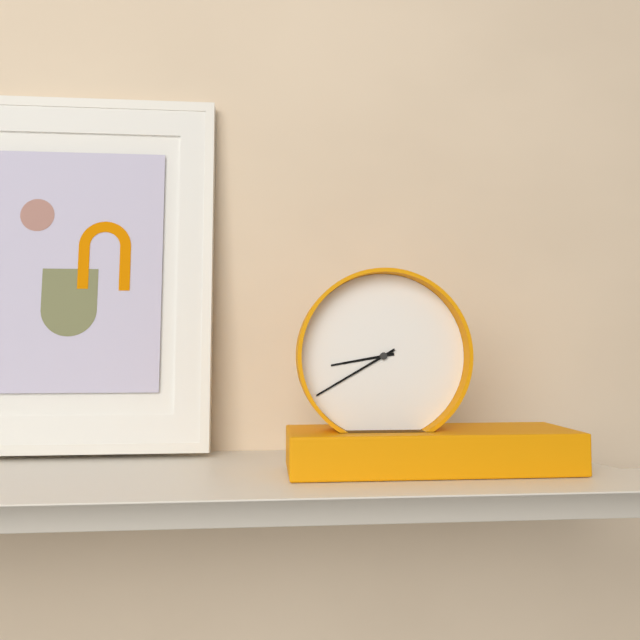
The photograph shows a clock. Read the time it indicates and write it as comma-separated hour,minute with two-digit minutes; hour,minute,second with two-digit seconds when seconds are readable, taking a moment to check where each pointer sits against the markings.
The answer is 8,40
